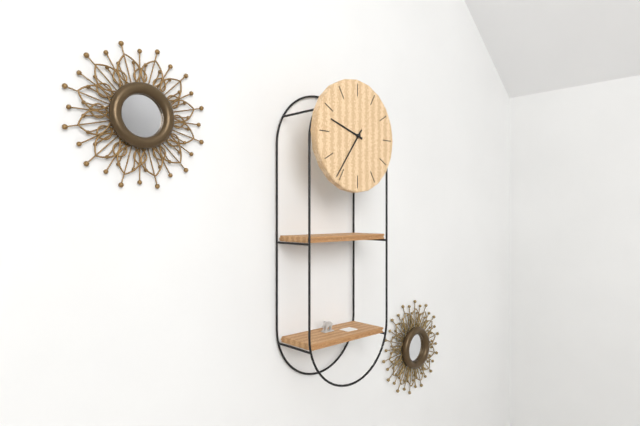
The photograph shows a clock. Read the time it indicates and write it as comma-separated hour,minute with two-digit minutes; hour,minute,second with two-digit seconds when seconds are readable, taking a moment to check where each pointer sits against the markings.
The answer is 9,36
